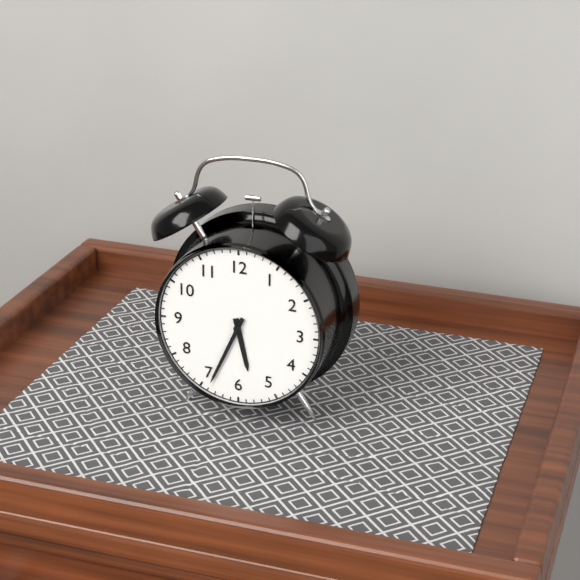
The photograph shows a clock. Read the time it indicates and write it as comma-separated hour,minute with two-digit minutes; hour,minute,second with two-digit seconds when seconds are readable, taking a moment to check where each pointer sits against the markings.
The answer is 5,34
